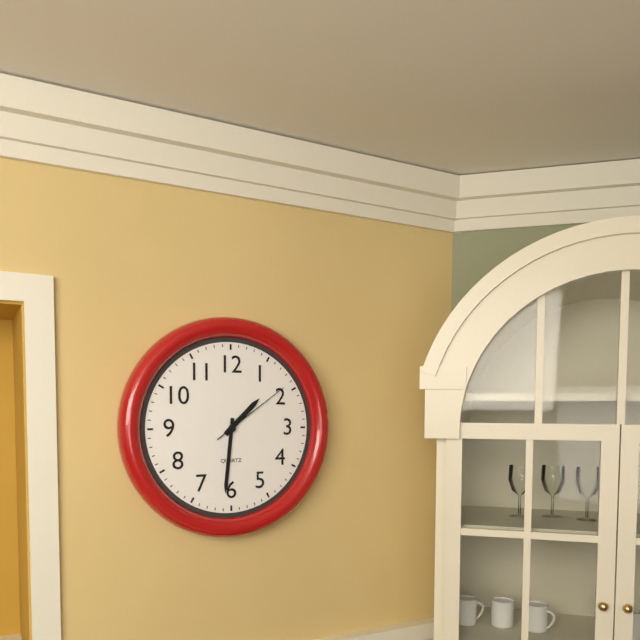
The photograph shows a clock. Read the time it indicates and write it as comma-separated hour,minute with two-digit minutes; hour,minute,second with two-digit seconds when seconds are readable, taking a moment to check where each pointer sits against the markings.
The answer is 1,31,09
